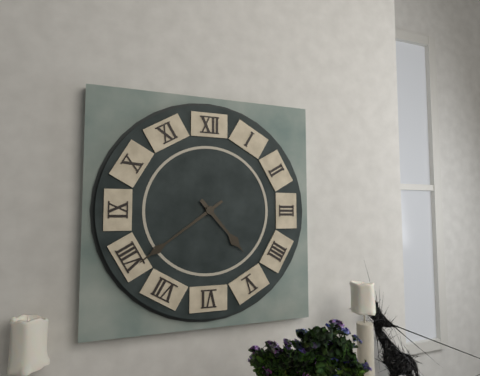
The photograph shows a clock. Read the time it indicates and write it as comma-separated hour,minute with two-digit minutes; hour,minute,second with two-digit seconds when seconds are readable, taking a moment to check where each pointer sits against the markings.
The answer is 4,39
